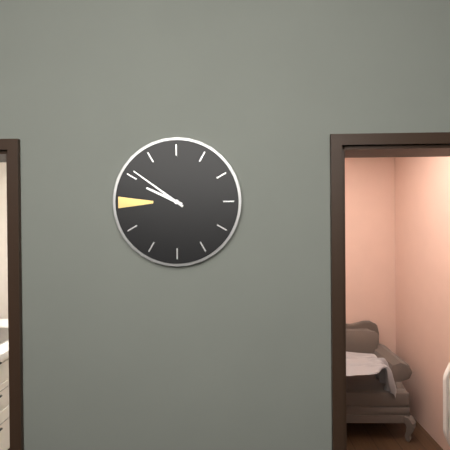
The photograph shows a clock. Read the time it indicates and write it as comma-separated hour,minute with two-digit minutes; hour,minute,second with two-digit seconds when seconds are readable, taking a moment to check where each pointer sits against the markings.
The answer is 9,51
